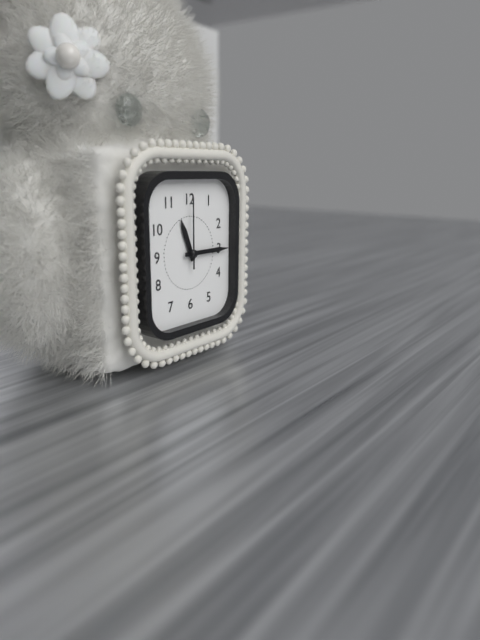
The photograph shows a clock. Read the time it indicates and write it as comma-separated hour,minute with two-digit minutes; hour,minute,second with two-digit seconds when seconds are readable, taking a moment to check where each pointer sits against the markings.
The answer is 11,15,00
